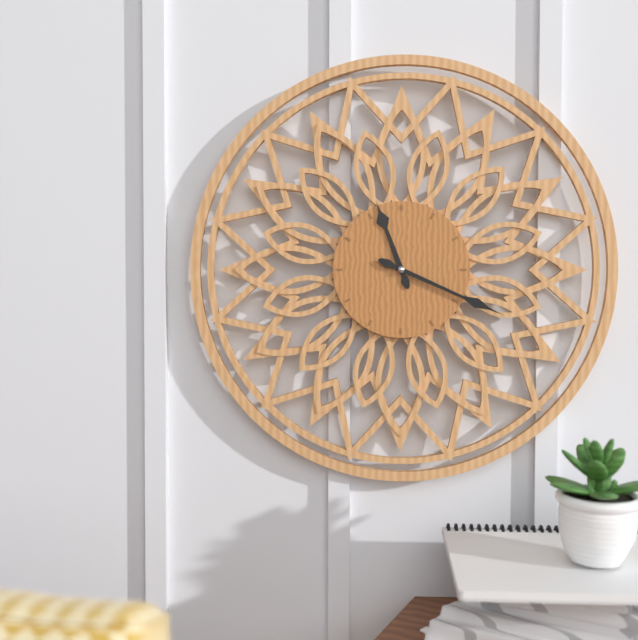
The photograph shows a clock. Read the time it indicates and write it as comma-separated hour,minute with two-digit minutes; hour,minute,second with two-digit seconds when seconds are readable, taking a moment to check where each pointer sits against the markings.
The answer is 11,19
